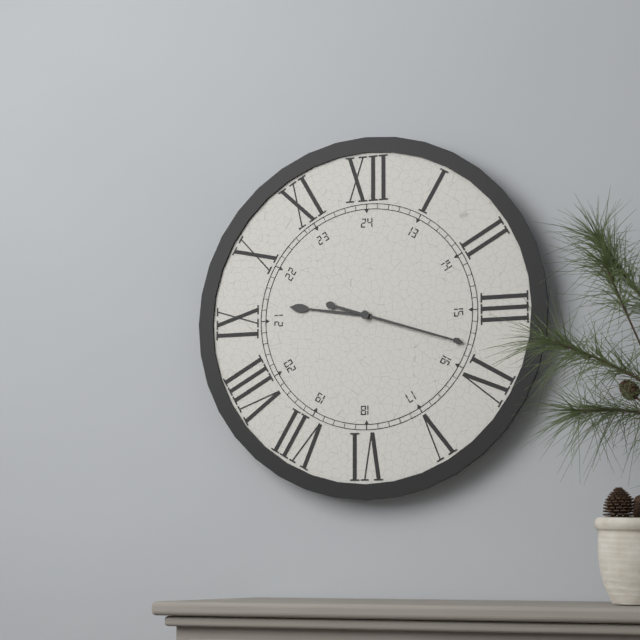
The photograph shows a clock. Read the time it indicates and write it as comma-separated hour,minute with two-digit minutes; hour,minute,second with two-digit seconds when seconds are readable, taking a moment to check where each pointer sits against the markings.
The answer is 9,18
